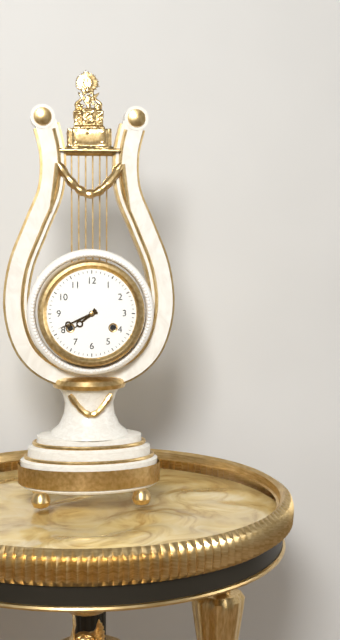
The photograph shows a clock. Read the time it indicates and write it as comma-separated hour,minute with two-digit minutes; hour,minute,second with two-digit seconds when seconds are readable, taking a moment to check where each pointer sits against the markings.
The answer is 7,41
